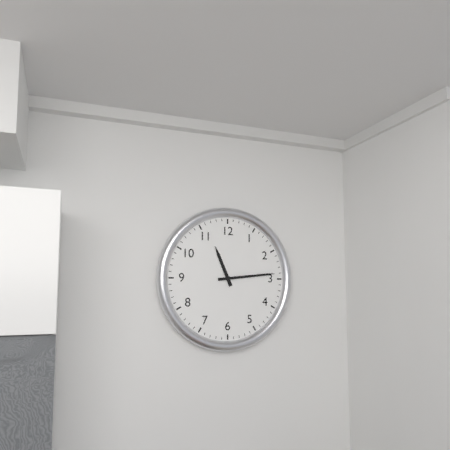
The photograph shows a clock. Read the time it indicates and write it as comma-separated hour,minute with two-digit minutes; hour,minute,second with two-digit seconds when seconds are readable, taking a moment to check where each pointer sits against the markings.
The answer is 11,14
